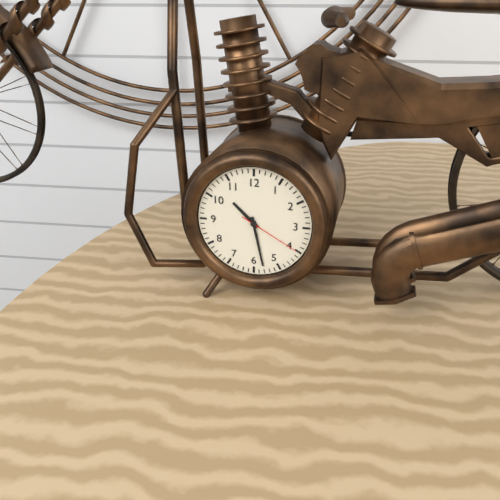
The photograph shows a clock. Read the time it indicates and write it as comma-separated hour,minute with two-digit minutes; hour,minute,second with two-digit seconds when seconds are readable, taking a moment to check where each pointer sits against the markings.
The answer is 10,28,20
